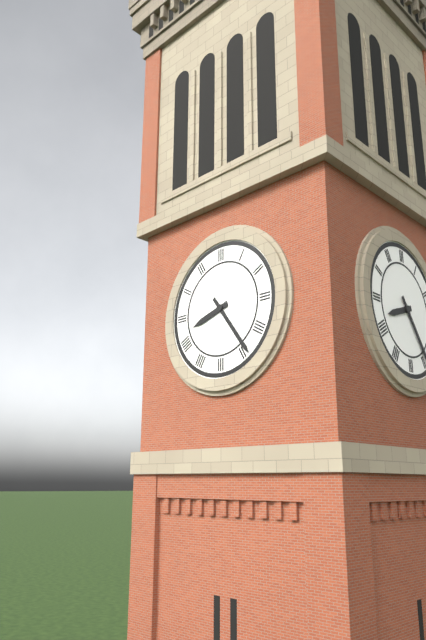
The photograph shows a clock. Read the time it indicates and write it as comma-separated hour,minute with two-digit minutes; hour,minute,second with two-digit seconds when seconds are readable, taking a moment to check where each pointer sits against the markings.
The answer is 8,24
